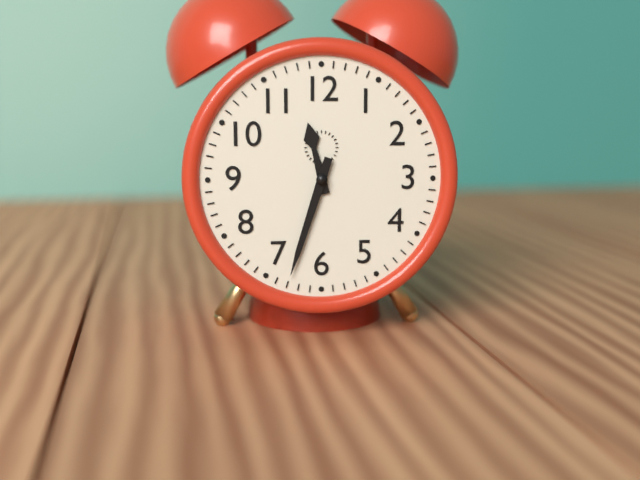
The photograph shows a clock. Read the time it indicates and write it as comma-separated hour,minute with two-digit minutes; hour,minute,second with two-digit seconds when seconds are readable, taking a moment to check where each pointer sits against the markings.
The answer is 11,33
